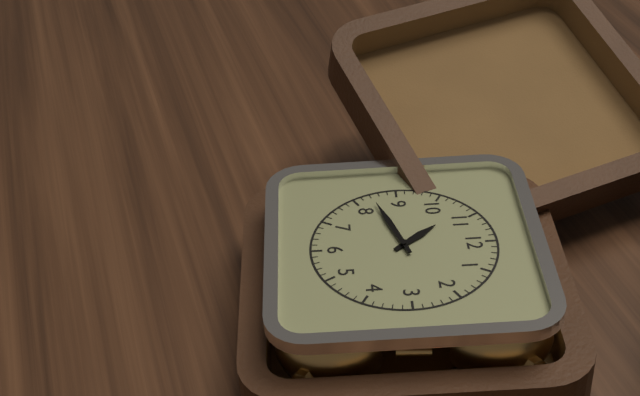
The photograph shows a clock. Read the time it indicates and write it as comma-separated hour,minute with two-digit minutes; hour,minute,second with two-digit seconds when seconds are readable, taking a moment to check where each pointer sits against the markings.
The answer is 10,42
